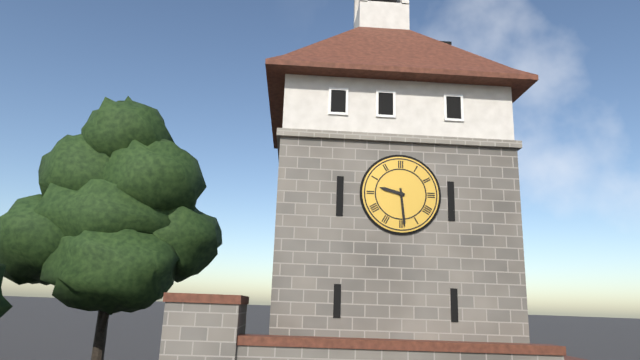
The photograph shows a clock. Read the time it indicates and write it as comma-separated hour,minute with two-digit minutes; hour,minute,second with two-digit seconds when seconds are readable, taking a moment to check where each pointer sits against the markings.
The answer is 9,29
